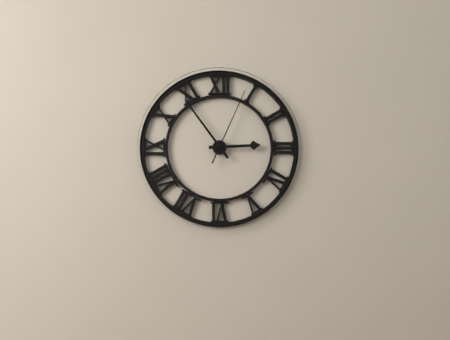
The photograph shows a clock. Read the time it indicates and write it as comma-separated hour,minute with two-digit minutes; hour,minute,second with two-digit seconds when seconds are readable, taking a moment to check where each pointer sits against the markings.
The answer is 2,54,04
